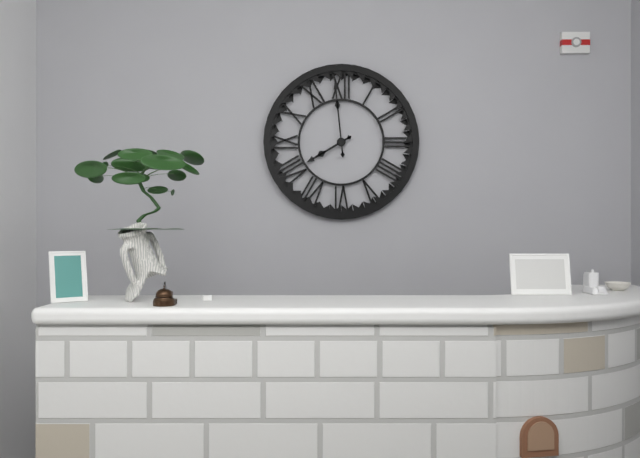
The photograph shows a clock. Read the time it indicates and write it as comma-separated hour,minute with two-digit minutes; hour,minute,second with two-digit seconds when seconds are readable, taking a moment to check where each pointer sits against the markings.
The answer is 7,59
